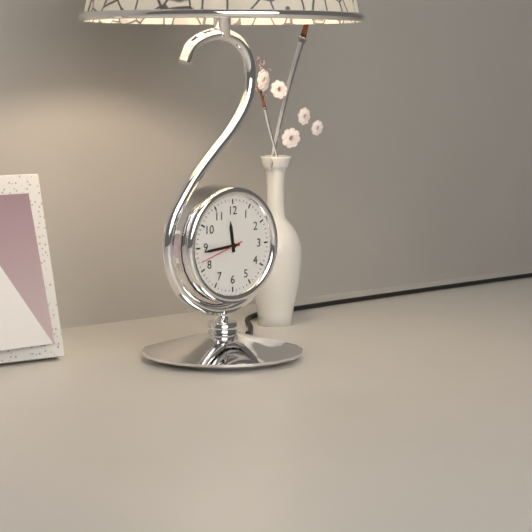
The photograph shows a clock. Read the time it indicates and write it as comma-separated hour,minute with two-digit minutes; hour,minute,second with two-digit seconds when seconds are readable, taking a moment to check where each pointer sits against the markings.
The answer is 11,44
